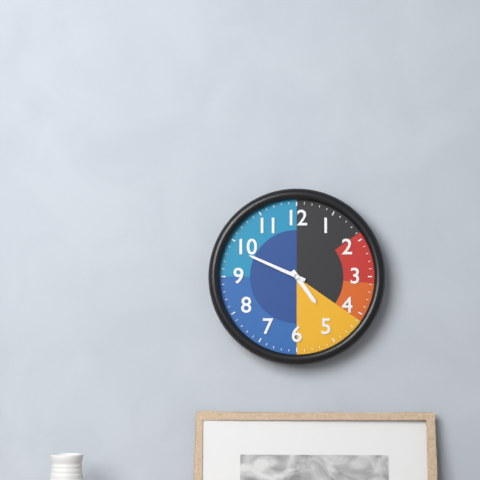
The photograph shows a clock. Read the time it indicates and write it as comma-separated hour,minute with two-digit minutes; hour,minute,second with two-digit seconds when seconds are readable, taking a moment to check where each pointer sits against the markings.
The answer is 4,49
